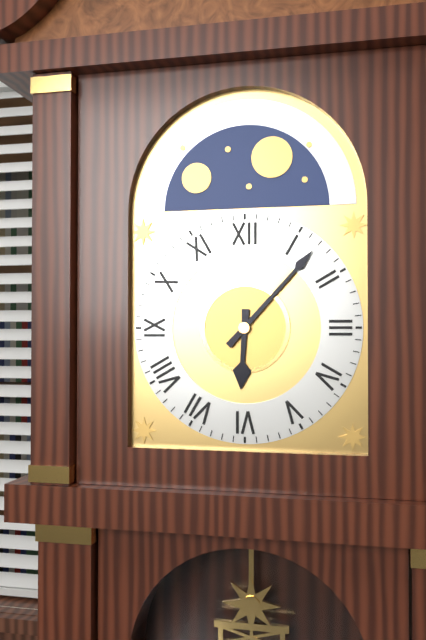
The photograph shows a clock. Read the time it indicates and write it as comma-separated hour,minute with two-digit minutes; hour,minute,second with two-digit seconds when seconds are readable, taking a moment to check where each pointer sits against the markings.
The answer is 6,07
